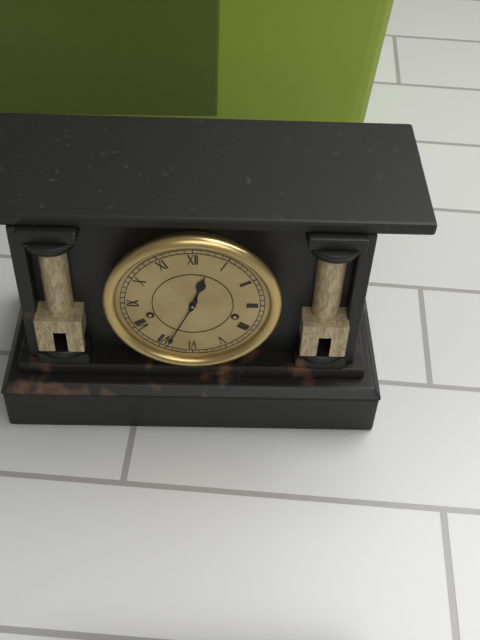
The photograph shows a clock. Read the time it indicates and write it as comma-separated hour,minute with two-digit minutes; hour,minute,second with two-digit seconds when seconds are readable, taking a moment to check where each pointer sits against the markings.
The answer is 12,34
